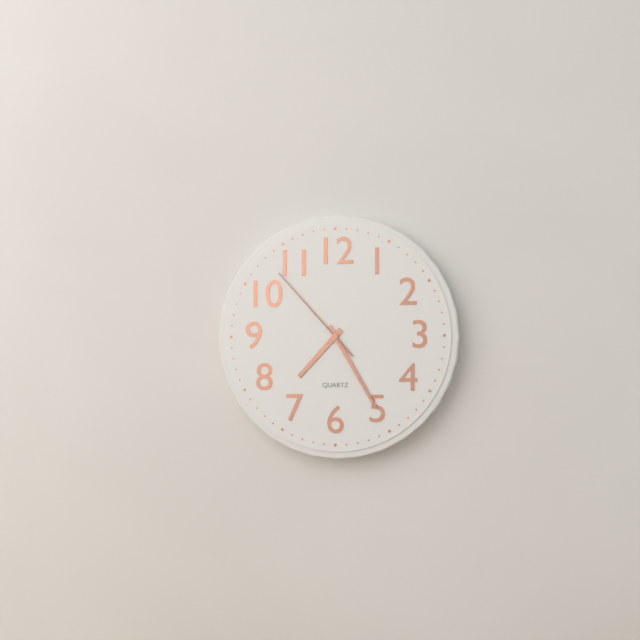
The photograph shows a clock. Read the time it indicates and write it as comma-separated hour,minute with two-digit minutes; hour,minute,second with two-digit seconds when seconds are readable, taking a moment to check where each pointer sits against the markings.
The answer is 7,25,53
